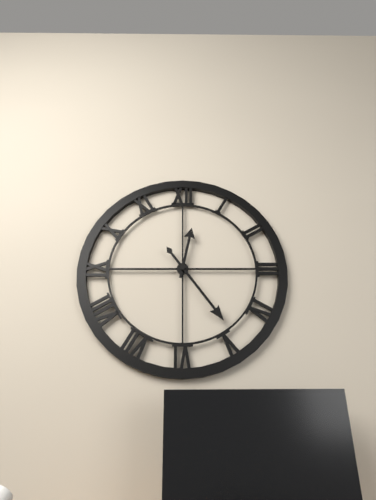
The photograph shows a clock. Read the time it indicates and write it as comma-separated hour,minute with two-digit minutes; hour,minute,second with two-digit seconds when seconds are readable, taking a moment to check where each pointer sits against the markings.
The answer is 12,24
